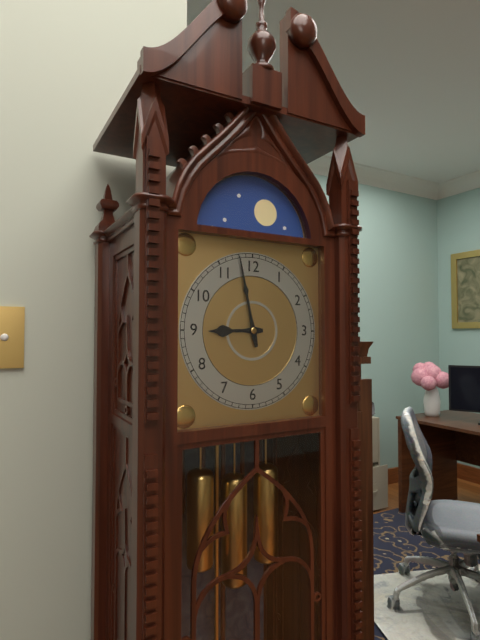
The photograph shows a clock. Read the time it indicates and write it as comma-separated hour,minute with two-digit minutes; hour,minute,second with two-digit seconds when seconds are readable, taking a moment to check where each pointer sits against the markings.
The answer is 8,58
